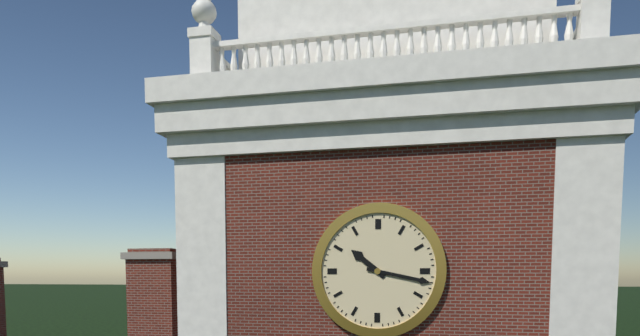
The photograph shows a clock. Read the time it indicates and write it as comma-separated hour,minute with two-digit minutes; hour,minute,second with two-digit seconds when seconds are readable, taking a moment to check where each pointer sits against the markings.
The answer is 10,17
